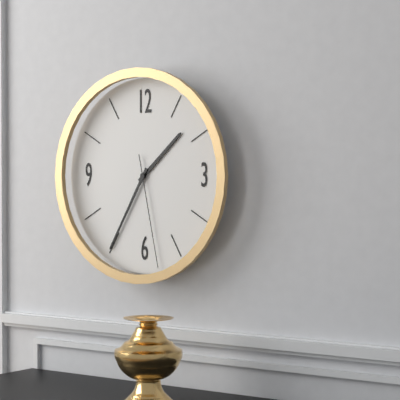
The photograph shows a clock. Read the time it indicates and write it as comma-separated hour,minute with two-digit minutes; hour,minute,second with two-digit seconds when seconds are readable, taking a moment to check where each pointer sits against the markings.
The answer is 1,35,28
